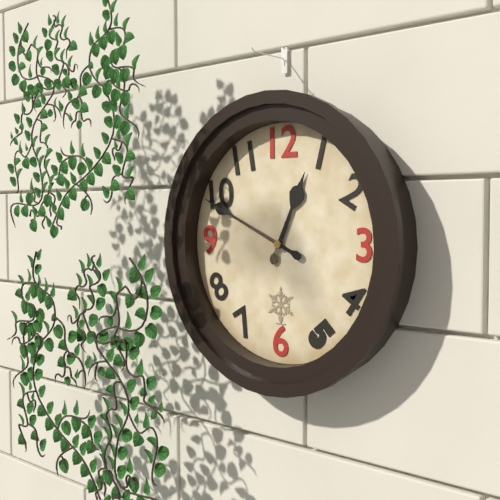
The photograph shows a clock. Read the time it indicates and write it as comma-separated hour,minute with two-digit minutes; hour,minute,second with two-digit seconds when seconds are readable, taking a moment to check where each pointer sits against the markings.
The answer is 12,49
